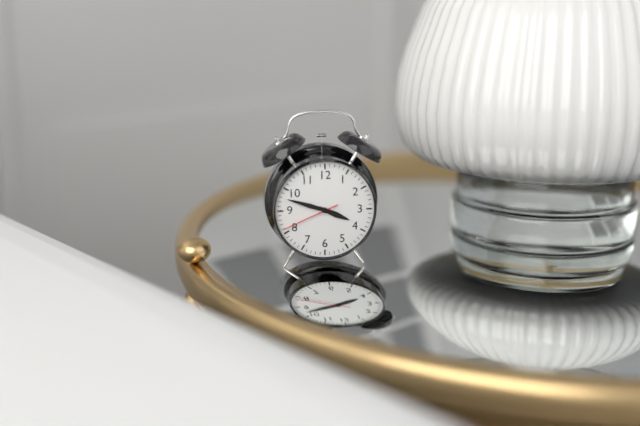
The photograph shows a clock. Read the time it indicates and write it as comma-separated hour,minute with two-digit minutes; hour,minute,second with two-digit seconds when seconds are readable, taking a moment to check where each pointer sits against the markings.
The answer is 3,48,41
